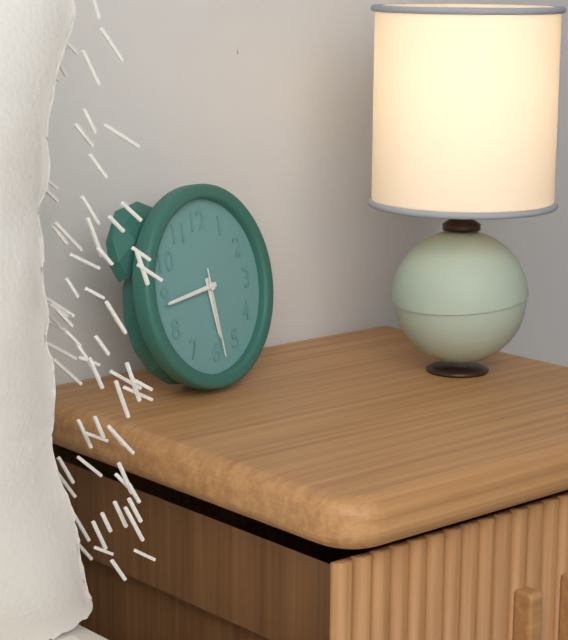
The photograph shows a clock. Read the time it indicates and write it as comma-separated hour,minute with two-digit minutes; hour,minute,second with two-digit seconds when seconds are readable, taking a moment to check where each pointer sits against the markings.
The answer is 5,44,29
